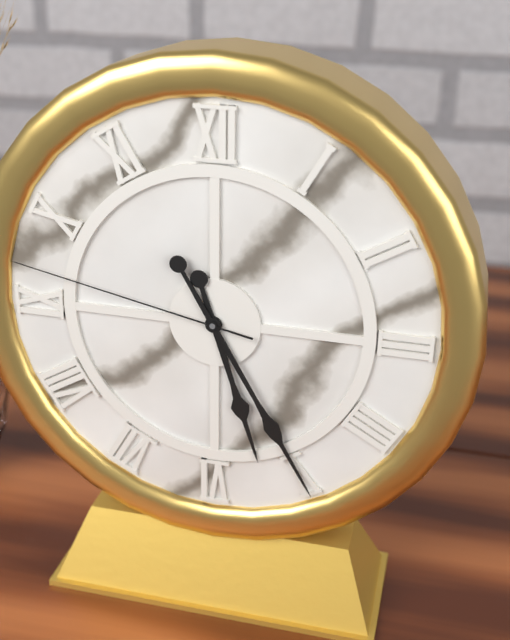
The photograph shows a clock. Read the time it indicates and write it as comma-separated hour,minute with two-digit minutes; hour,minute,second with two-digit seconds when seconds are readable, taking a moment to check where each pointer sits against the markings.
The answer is 5,25,47
